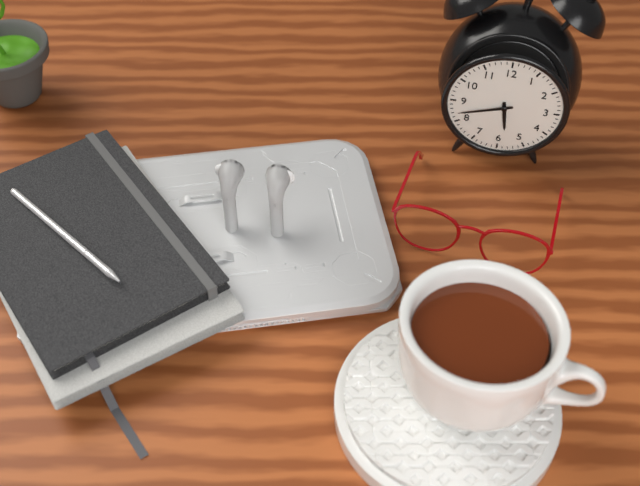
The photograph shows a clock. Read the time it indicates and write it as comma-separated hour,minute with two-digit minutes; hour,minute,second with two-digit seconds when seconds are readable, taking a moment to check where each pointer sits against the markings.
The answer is 5,42
